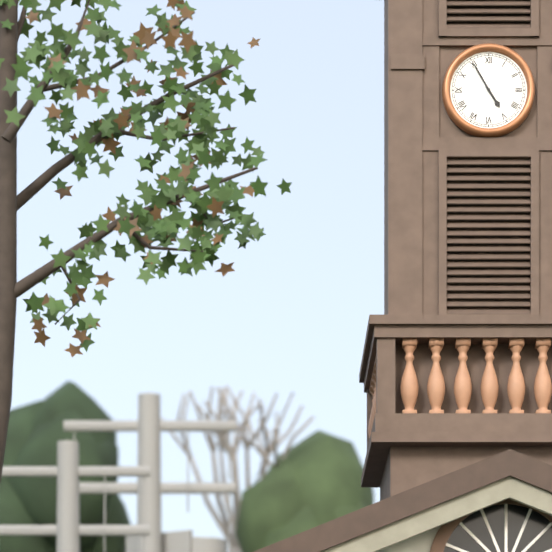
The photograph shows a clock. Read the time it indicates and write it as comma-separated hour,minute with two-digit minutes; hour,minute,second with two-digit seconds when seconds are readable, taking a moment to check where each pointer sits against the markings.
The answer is 4,55
